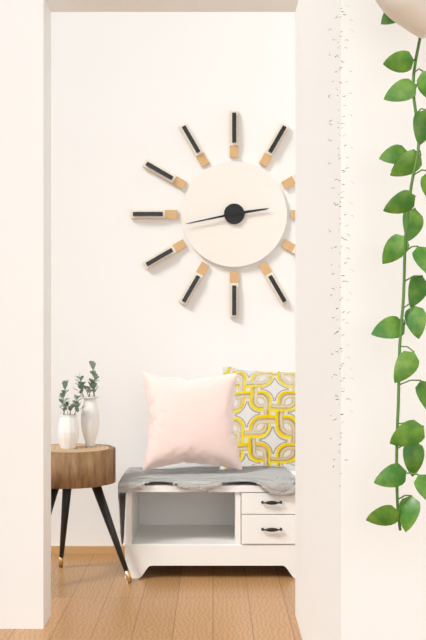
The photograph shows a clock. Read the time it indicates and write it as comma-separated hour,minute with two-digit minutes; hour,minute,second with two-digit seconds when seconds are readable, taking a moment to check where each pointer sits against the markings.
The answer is 2,43
